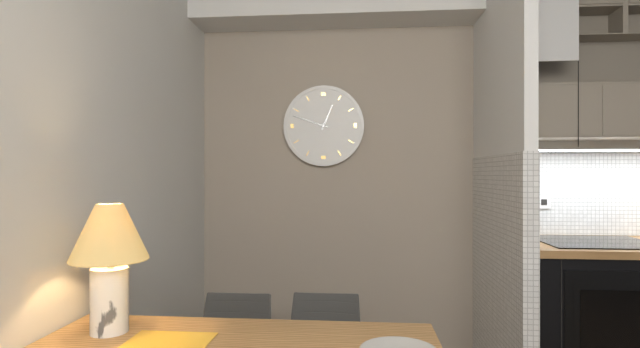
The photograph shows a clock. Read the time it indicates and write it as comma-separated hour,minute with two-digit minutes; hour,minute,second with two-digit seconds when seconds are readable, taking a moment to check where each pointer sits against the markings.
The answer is 12,48
